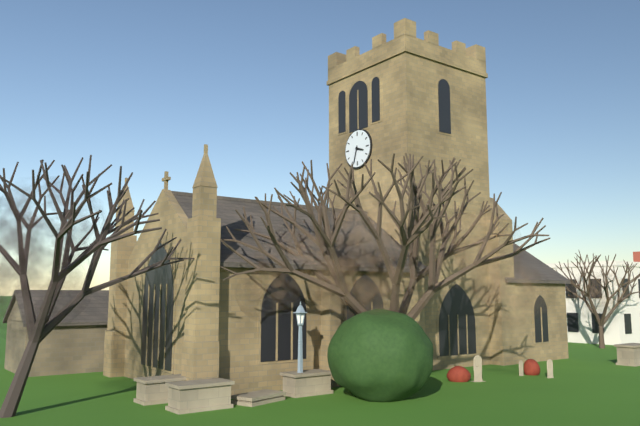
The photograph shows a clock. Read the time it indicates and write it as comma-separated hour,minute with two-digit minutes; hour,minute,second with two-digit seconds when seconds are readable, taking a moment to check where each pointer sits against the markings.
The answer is 3,33
